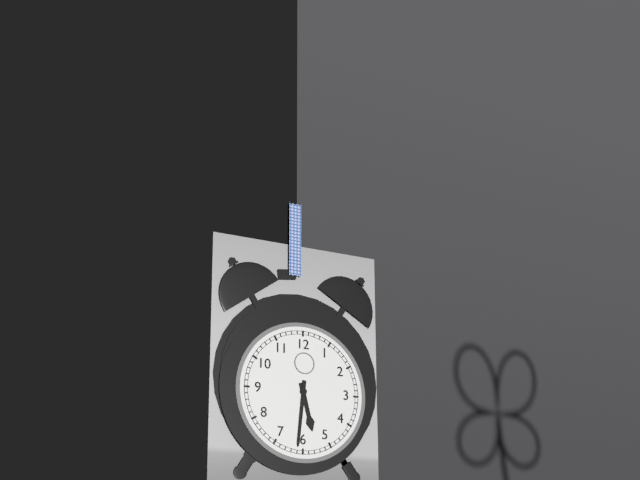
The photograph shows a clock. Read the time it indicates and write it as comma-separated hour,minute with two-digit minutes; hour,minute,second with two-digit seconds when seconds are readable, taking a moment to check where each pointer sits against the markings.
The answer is 5,31
